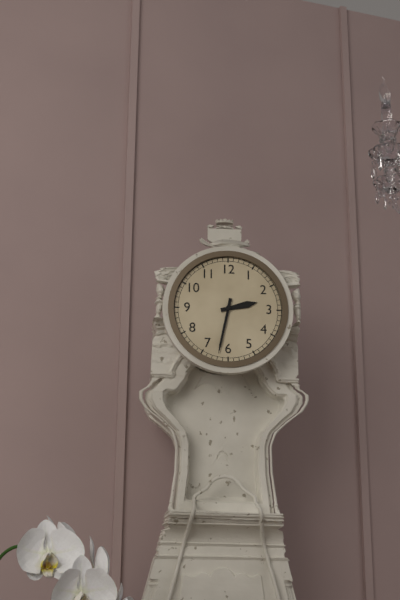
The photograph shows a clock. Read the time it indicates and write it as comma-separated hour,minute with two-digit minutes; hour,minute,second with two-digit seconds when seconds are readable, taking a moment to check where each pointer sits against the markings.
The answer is 2,32
